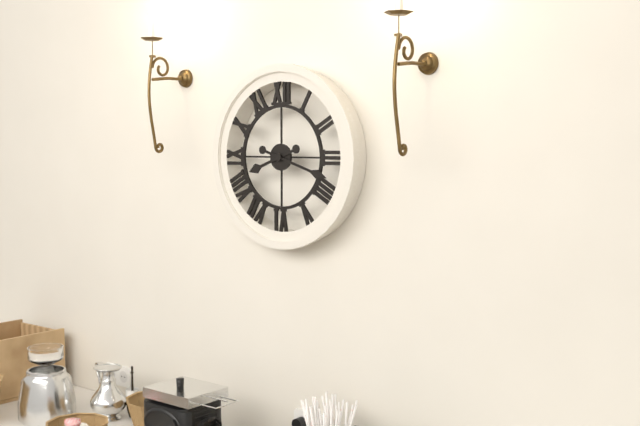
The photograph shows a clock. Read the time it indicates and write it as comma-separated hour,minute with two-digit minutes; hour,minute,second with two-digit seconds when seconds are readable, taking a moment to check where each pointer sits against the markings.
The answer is 8,18
